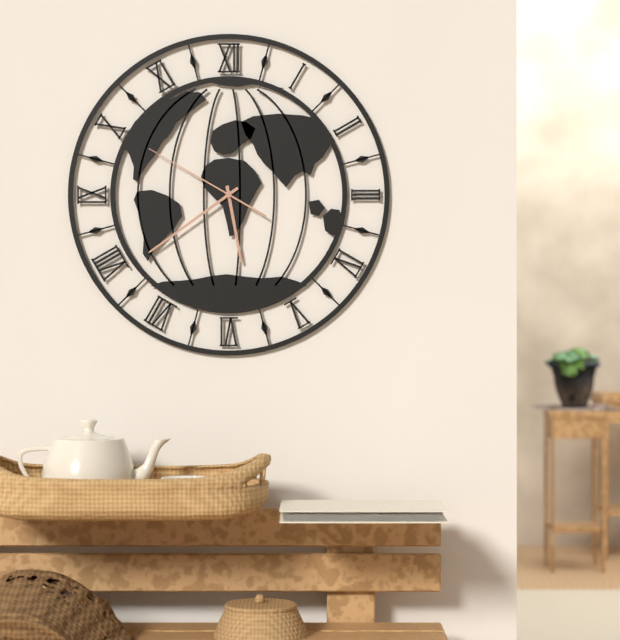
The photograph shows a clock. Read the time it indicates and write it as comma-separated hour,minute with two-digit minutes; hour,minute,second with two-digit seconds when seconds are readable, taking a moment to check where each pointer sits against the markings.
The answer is 5,39,50
